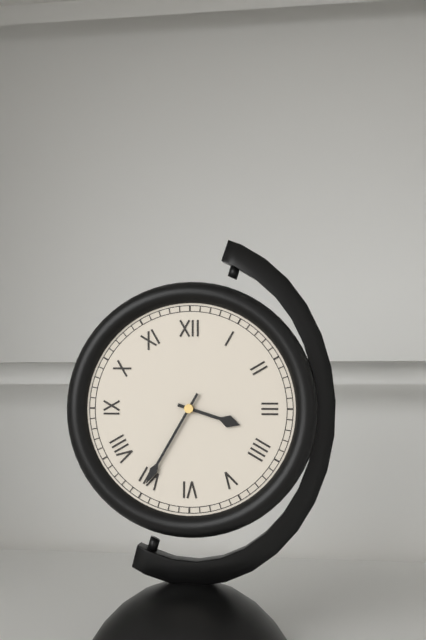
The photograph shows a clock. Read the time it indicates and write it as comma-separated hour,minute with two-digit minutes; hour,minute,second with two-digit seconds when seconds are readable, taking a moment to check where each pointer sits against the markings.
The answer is 3,35
